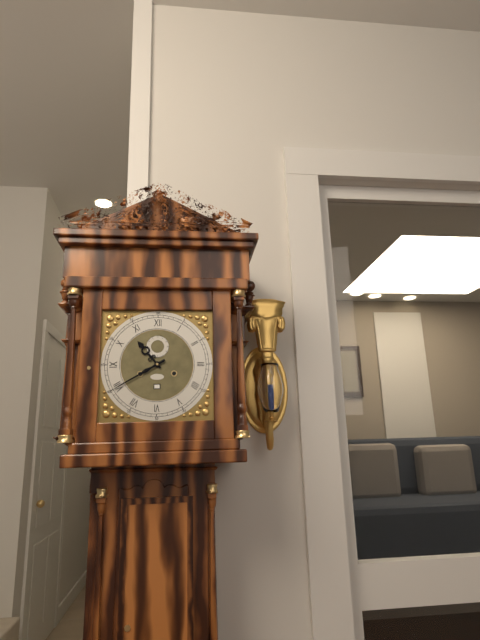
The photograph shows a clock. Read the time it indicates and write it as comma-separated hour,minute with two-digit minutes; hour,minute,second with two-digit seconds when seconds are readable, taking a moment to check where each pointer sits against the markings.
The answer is 10,40
